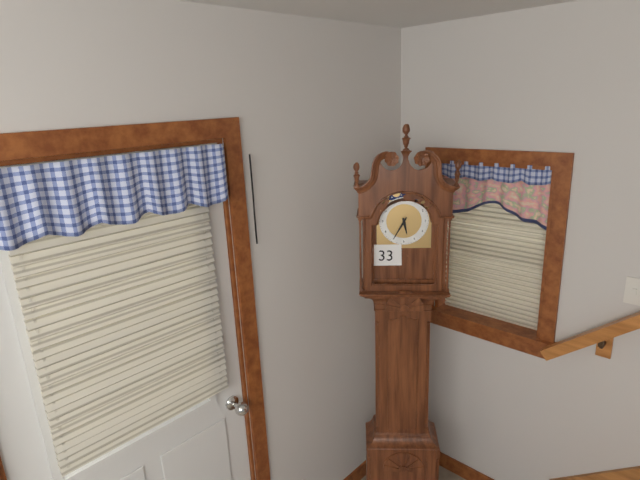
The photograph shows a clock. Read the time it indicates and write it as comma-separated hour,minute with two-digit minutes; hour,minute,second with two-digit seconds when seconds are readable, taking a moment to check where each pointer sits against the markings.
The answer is 5,35
